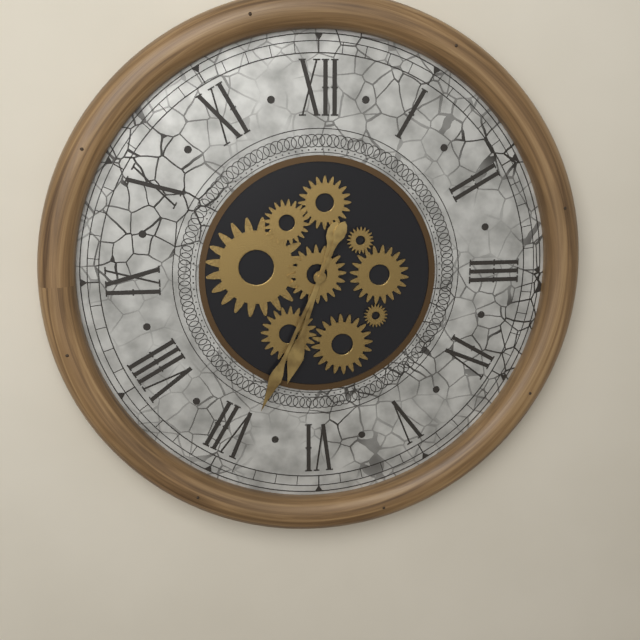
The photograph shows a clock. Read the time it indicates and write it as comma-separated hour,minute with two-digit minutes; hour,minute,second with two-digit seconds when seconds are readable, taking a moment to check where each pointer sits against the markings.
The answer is 6,34
